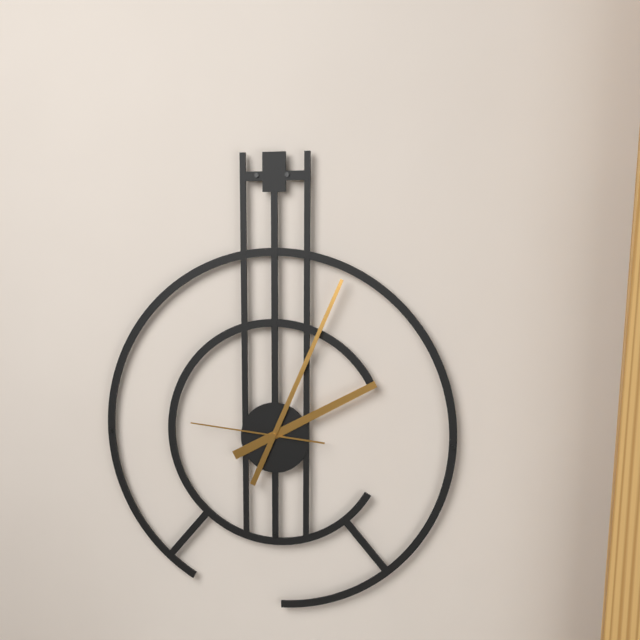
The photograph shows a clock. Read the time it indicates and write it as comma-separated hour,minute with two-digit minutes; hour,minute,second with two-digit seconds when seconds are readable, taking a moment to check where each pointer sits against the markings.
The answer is 2,04,46
